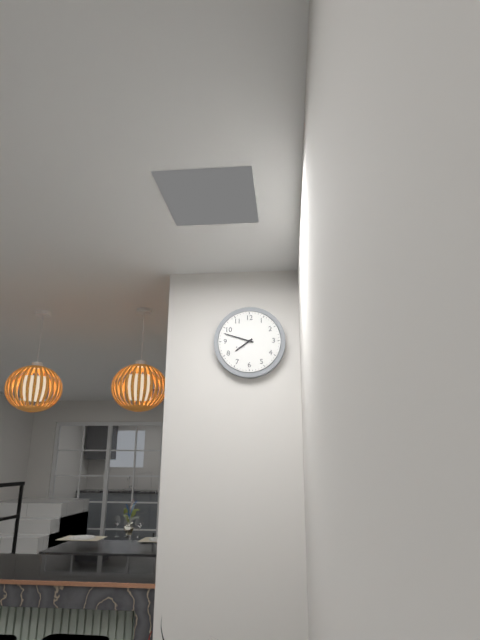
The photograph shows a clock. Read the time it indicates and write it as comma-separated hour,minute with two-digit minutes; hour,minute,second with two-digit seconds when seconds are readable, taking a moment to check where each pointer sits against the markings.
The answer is 7,48
